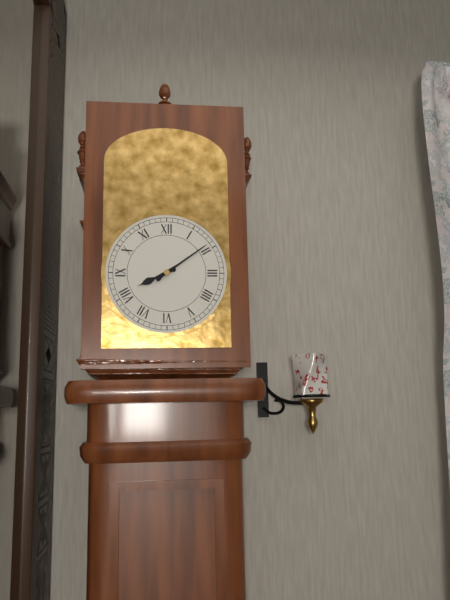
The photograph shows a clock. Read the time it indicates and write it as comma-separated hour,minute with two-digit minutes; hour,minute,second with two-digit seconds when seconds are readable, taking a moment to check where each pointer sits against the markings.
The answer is 8,09
